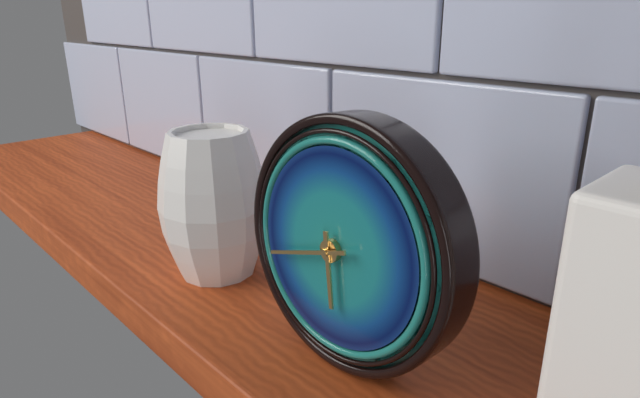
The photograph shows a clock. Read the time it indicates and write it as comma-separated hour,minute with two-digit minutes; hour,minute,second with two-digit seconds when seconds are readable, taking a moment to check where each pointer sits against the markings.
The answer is 5,42
